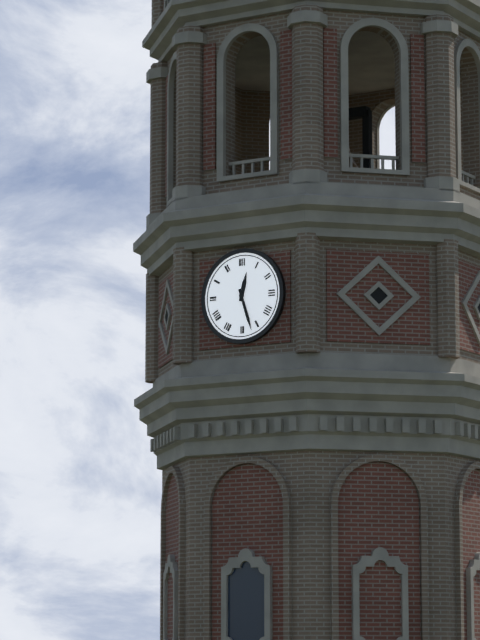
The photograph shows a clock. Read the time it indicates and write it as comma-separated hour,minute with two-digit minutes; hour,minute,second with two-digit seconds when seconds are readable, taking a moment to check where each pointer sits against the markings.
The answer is 12,27
